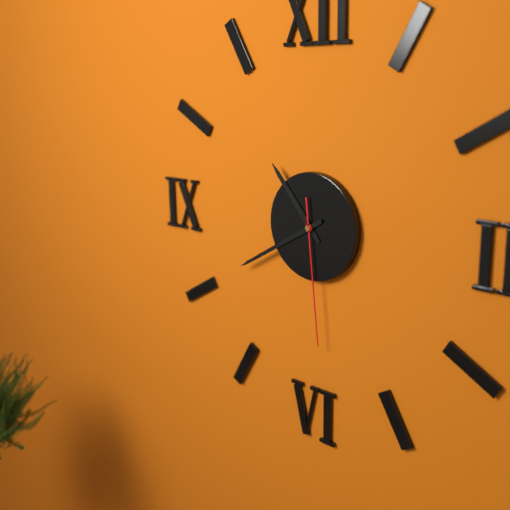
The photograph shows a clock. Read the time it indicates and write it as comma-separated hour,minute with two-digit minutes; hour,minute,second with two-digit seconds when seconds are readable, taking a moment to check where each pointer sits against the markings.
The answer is 10,40,29
